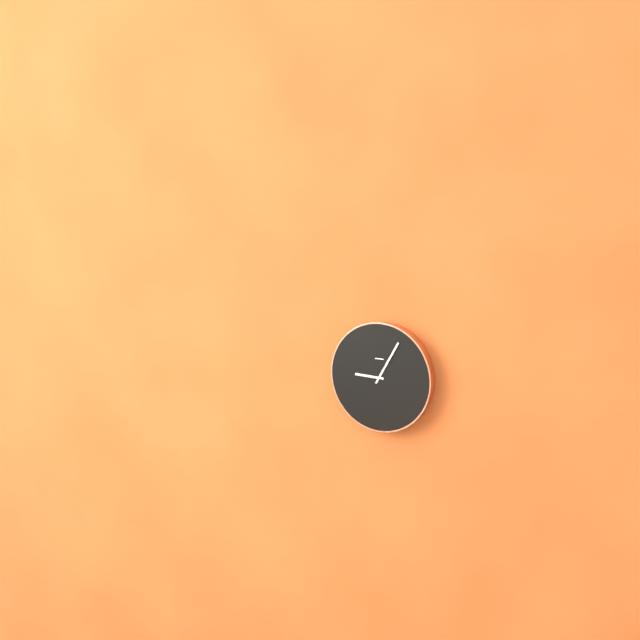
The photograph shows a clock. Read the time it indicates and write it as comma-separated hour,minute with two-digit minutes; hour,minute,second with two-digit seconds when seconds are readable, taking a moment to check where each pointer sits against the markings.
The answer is 9,05
